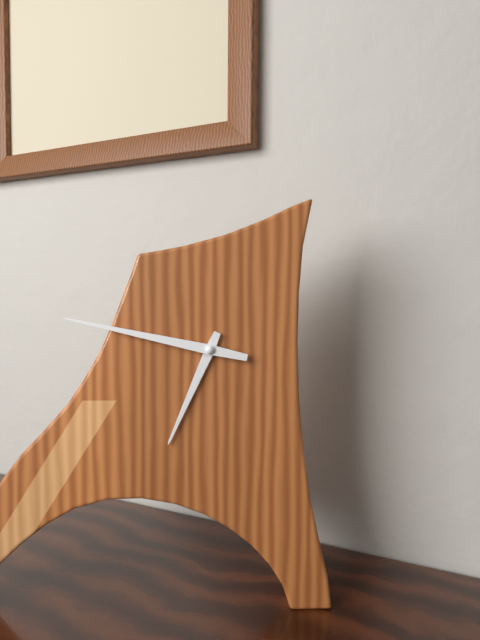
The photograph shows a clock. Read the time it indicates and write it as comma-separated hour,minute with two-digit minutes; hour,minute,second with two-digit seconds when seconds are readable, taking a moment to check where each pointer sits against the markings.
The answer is 6,47
